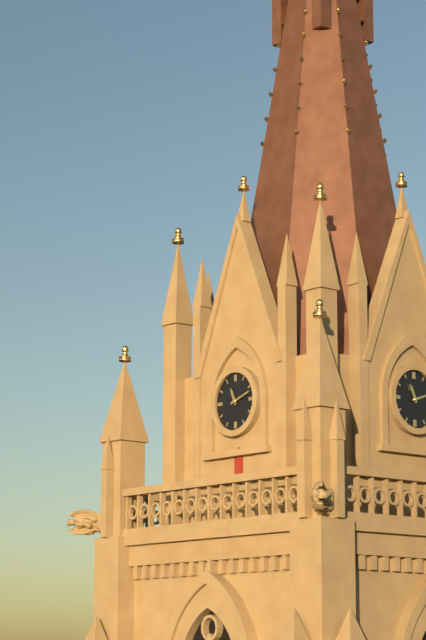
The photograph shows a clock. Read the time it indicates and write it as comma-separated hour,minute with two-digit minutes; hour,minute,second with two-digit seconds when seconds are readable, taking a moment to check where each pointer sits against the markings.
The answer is 11,12
